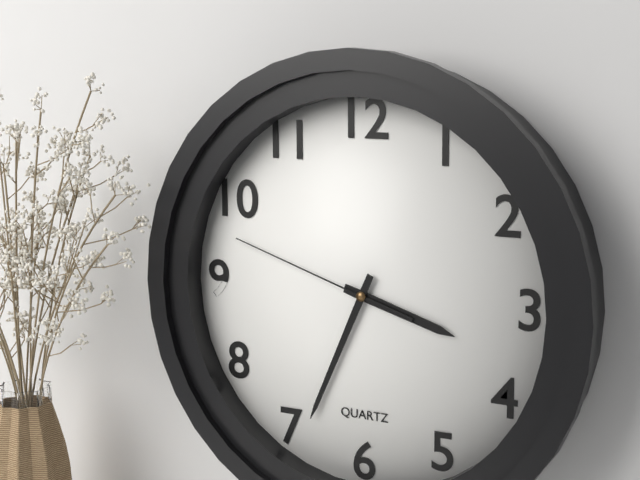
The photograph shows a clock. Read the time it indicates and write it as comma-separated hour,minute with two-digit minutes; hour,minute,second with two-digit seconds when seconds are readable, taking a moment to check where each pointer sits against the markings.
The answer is 3,34,48
